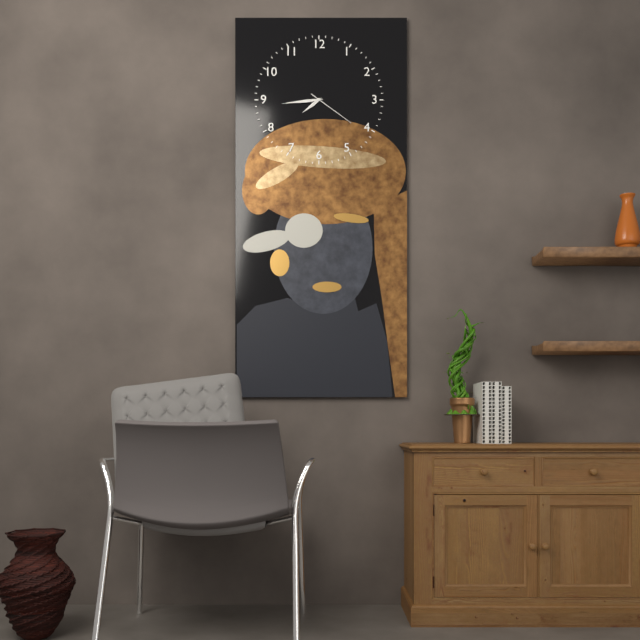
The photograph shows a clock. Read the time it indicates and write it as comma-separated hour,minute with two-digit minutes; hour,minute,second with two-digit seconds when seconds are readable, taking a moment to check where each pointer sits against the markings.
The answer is 7,44
